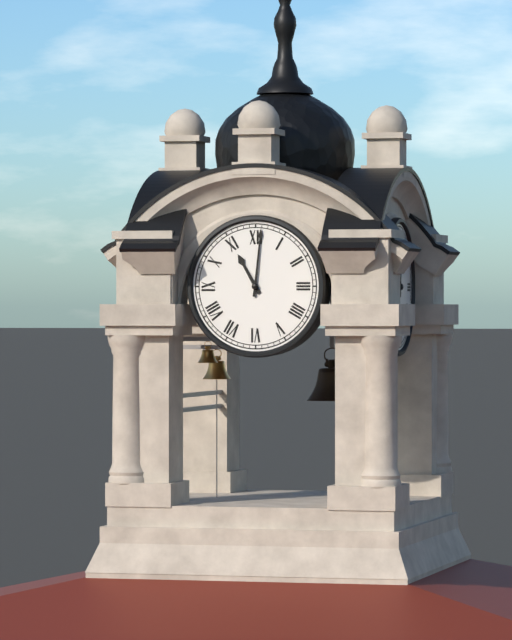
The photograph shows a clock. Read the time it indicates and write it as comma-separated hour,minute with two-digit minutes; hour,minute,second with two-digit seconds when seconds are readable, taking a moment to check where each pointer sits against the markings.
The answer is 11,01
